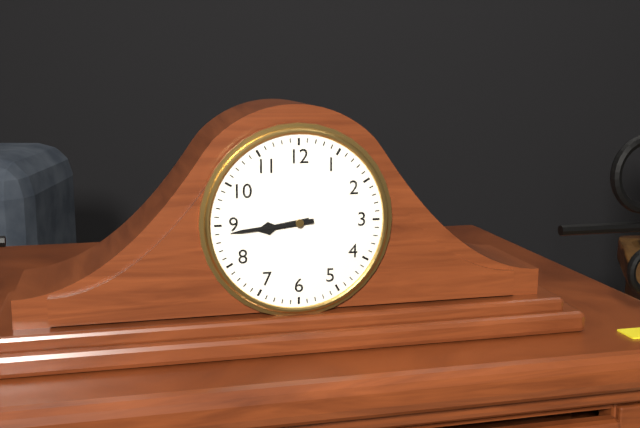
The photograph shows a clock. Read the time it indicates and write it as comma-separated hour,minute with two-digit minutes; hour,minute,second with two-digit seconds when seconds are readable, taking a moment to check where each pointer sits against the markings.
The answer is 8,44
